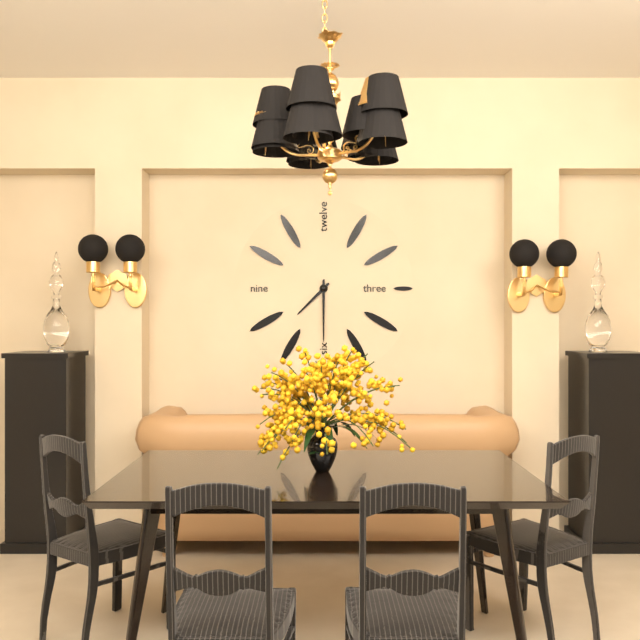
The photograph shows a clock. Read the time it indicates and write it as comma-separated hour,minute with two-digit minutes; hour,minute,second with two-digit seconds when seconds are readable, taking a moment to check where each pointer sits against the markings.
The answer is 7,30
